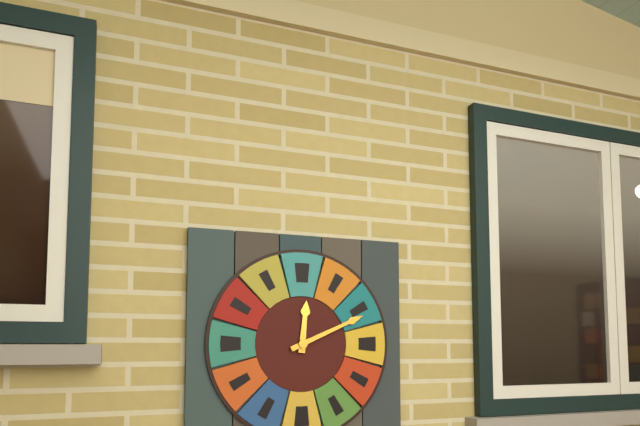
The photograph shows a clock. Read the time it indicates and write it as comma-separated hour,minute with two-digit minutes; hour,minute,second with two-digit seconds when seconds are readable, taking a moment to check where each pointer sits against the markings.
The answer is 12,11
